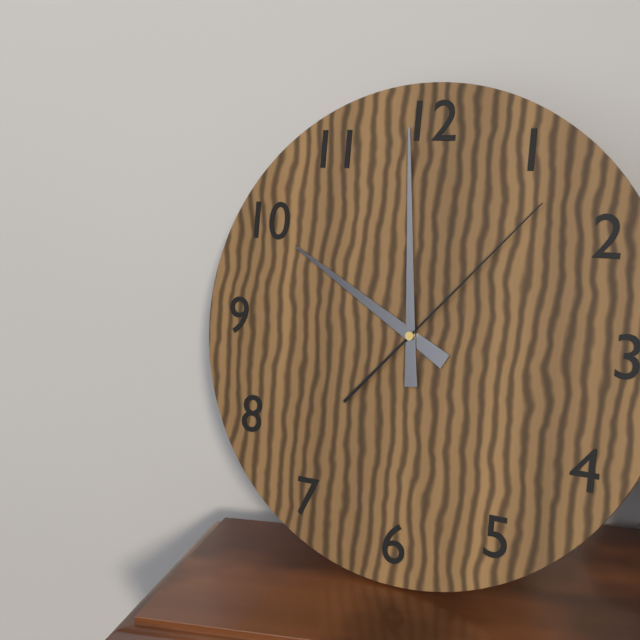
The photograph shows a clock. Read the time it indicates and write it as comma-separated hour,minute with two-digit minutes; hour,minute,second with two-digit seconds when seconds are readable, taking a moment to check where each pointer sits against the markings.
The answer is 9,59,07
